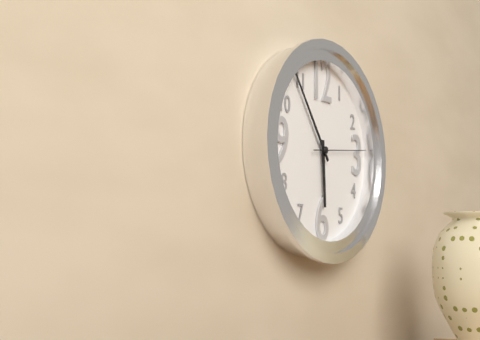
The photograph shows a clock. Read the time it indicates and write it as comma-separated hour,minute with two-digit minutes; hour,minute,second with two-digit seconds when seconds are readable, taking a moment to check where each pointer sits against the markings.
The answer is 5,54,14
